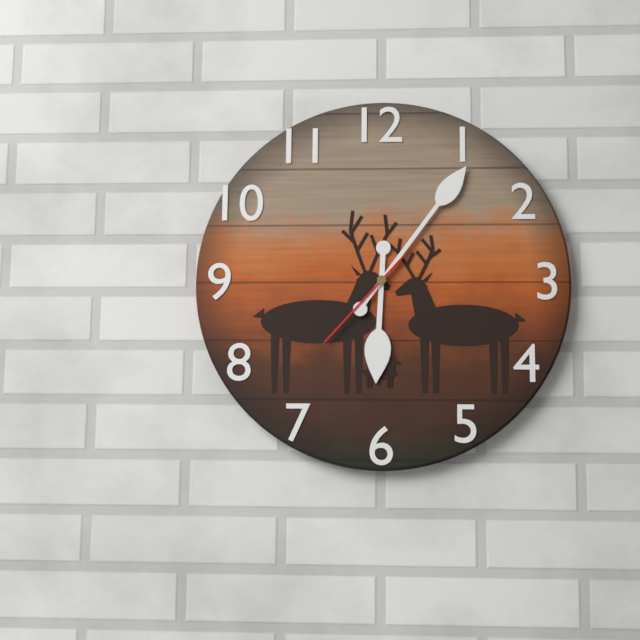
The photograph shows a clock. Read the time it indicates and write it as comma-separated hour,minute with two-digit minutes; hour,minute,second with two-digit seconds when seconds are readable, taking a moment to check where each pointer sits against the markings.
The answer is 6,06,37
